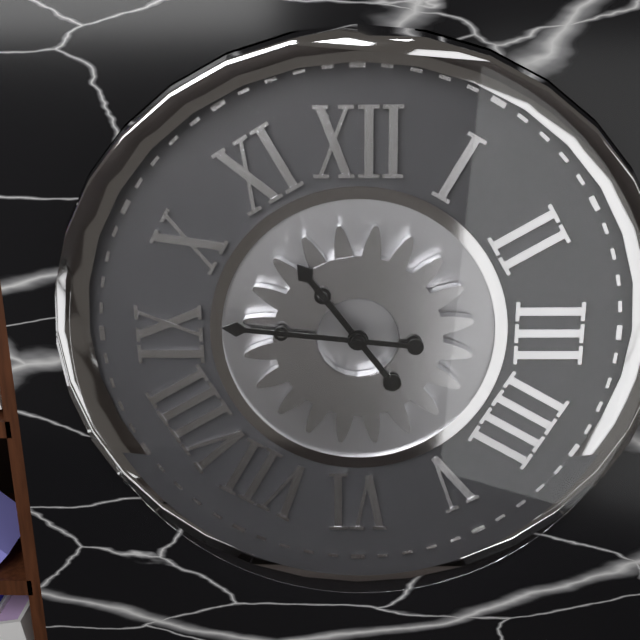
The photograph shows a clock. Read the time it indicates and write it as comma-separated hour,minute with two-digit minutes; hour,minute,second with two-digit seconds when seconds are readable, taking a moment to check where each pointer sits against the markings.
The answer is 10,46
